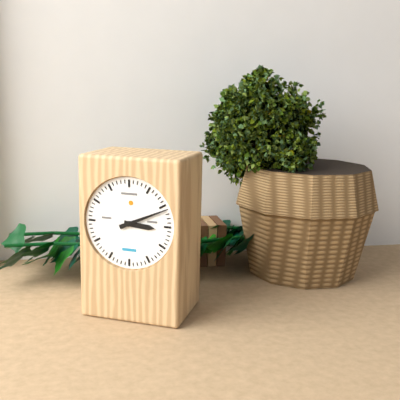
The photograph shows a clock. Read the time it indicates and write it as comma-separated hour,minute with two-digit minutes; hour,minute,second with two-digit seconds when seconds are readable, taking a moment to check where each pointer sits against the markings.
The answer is 3,11
